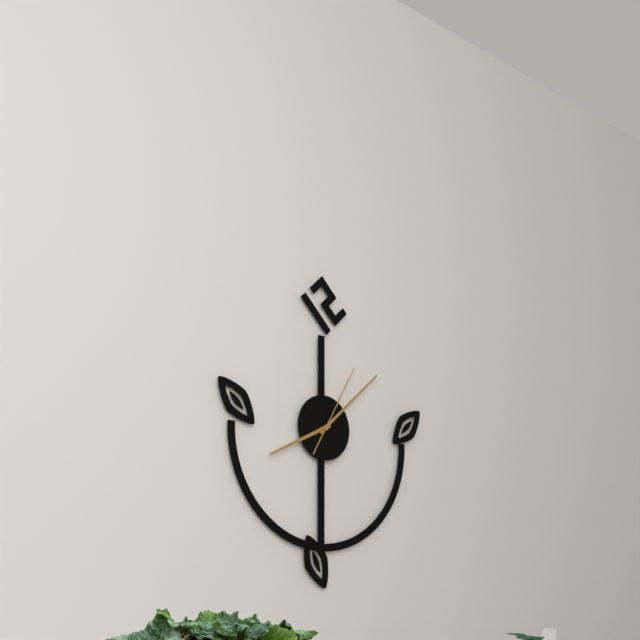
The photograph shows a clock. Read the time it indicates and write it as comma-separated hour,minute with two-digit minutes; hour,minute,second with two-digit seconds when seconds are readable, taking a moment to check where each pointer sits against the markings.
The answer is 8,08,05
